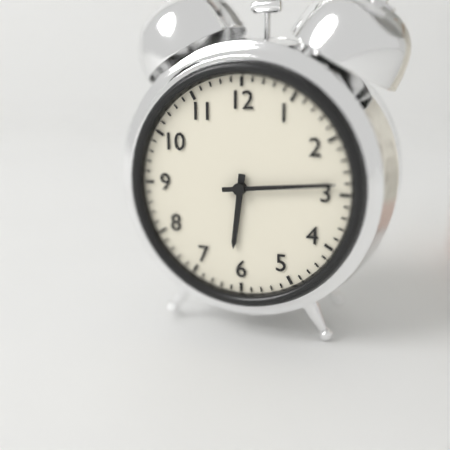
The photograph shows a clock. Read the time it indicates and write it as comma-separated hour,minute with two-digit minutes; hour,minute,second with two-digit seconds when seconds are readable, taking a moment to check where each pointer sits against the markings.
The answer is 6,14
